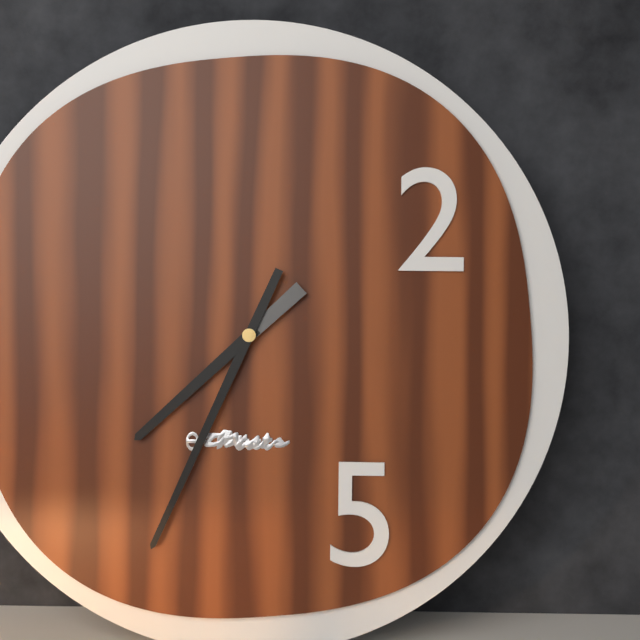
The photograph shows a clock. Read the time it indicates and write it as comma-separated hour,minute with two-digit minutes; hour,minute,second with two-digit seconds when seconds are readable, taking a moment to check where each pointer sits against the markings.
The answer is 7,34
